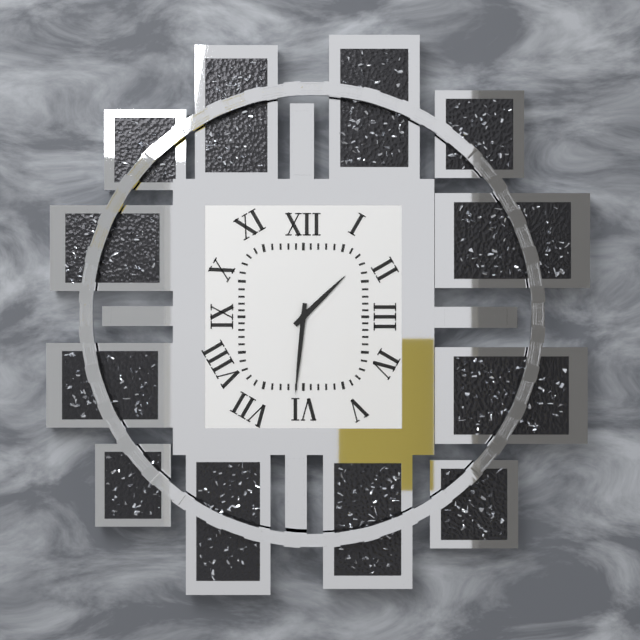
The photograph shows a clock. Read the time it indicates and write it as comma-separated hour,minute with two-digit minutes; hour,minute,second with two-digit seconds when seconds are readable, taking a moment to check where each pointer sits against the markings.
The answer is 1,31
